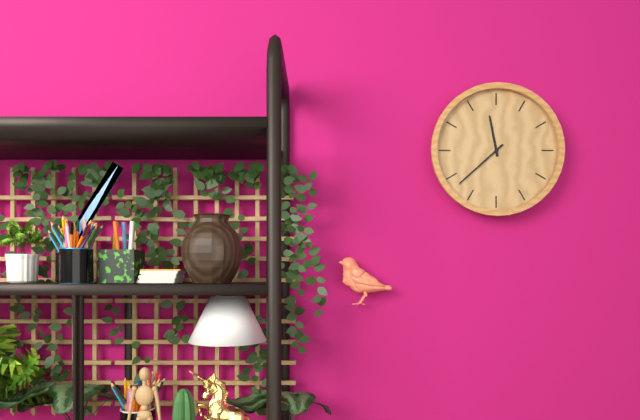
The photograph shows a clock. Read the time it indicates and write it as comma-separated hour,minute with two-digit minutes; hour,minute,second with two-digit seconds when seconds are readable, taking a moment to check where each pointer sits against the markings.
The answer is 11,38
